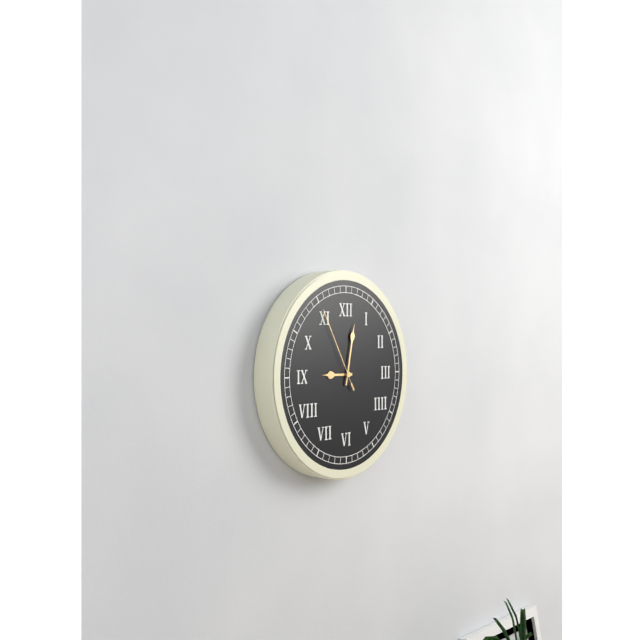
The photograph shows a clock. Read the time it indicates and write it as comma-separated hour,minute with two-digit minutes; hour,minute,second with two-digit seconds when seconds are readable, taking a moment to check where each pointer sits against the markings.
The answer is 9,02,55
